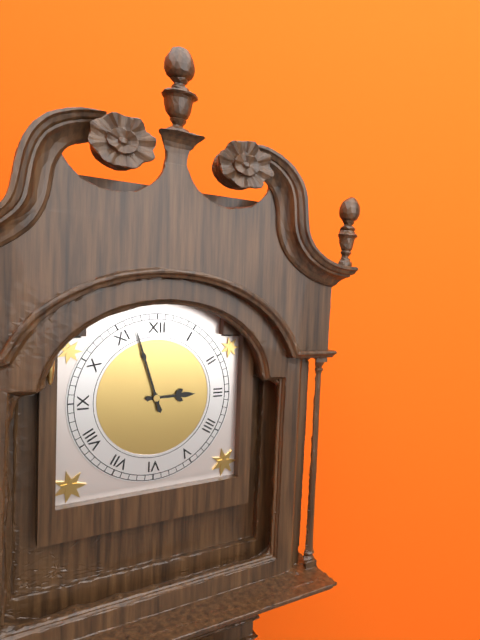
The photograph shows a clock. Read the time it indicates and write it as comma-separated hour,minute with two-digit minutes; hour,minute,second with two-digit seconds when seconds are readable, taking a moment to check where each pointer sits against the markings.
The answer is 2,57
